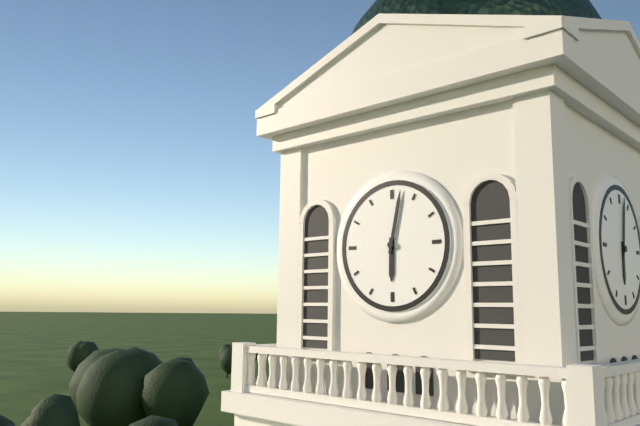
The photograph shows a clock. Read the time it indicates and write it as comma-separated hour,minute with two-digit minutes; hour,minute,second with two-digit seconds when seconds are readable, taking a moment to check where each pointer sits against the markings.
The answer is 6,02
